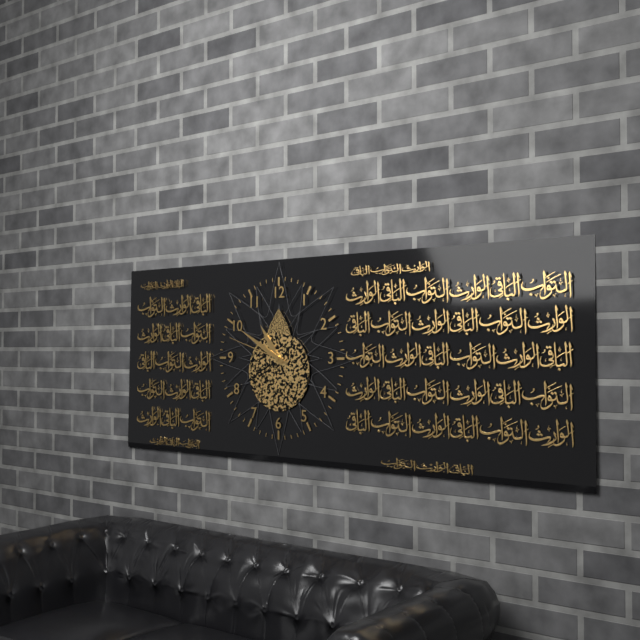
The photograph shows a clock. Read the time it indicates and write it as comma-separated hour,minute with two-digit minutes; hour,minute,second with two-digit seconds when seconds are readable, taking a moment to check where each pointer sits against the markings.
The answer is 10,50,48
